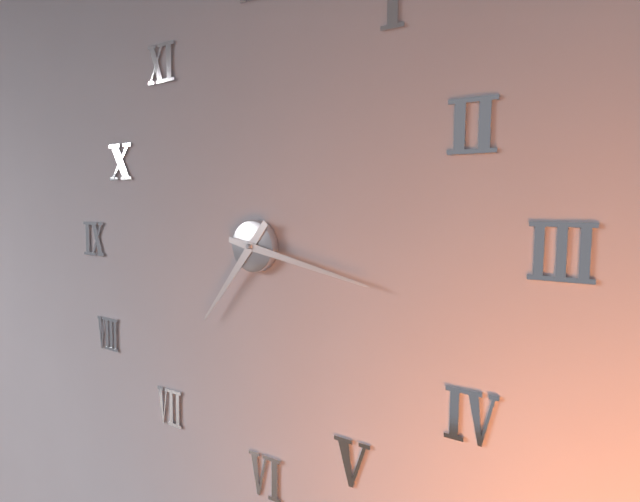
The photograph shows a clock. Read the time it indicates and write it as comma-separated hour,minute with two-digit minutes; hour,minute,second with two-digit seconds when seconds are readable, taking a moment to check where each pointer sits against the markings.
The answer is 7,17
